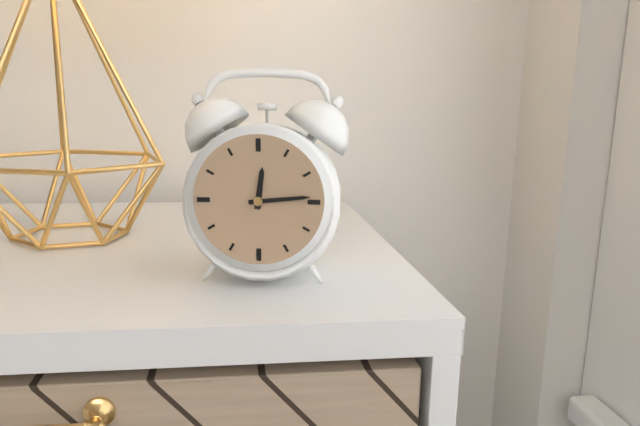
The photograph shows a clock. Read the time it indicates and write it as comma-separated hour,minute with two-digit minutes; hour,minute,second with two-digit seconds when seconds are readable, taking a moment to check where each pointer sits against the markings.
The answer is 12,14
